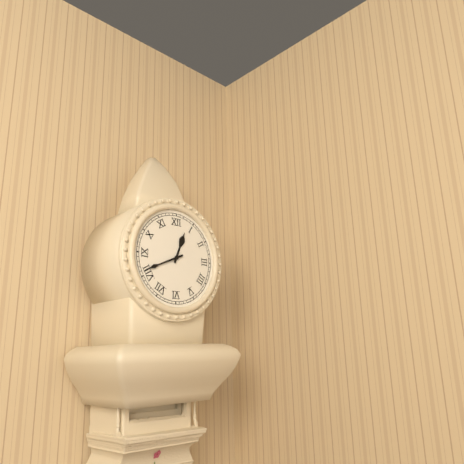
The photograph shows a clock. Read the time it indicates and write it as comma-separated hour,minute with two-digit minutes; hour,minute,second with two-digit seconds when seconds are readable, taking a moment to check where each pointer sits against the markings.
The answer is 12,41
